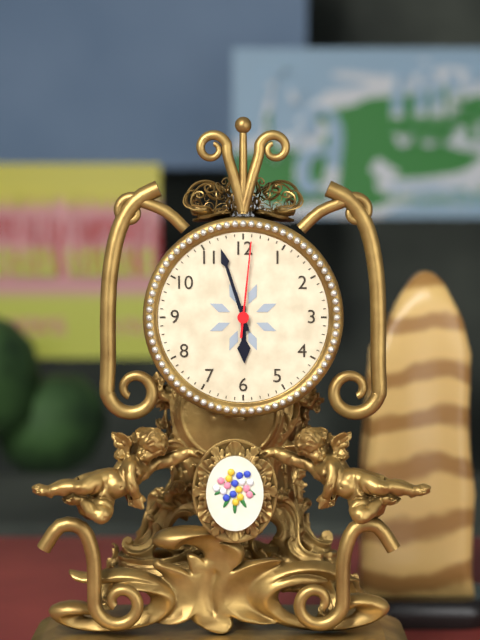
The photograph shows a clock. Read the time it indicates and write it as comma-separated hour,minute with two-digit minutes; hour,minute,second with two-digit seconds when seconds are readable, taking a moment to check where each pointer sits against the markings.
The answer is 5,57,01
